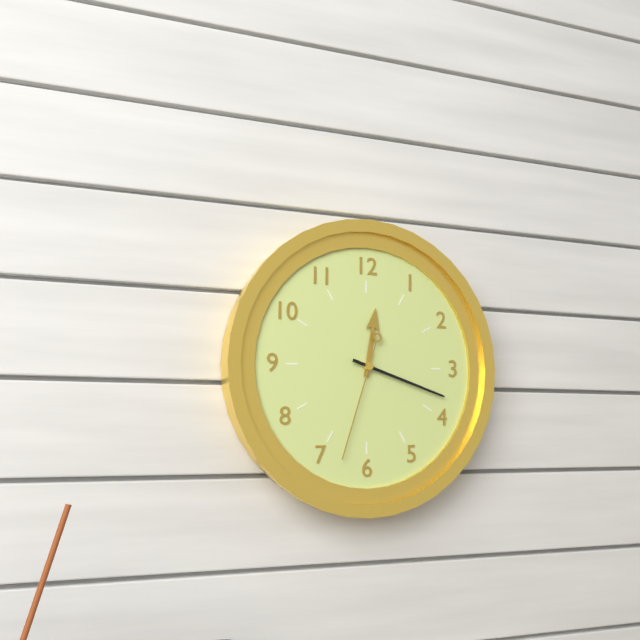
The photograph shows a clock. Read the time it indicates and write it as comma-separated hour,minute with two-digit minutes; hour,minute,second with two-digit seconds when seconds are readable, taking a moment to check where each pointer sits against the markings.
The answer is 12,18,33
